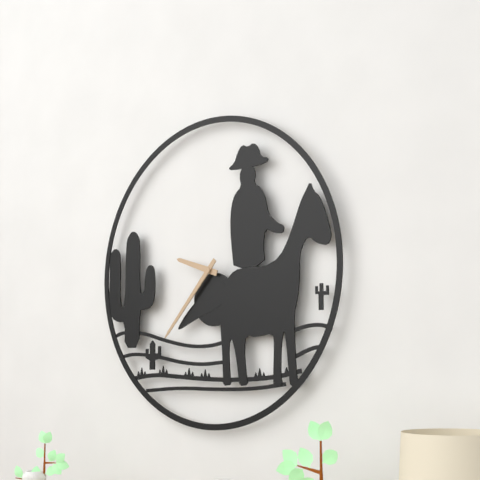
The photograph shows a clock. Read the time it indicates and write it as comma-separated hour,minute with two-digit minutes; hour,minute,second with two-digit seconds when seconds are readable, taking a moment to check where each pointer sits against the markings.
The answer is 9,37
